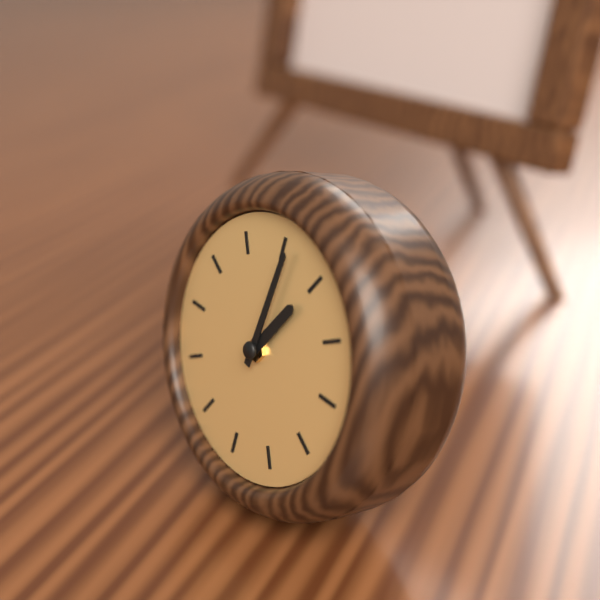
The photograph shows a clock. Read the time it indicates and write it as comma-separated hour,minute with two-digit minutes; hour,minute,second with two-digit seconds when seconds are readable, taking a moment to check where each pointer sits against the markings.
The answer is 1,01
